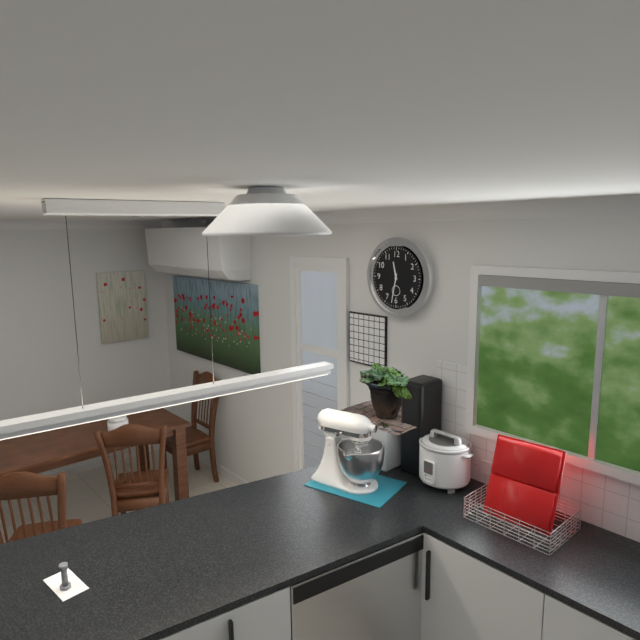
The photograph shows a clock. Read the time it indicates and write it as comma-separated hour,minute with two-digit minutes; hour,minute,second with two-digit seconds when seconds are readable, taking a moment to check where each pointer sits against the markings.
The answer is 11,32
